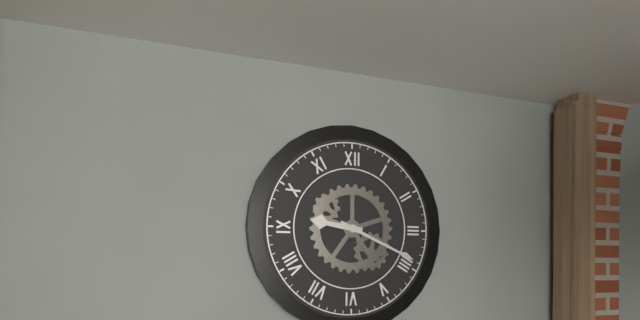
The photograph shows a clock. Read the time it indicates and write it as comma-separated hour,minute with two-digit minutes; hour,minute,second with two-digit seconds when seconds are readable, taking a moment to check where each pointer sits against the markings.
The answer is 9,19
